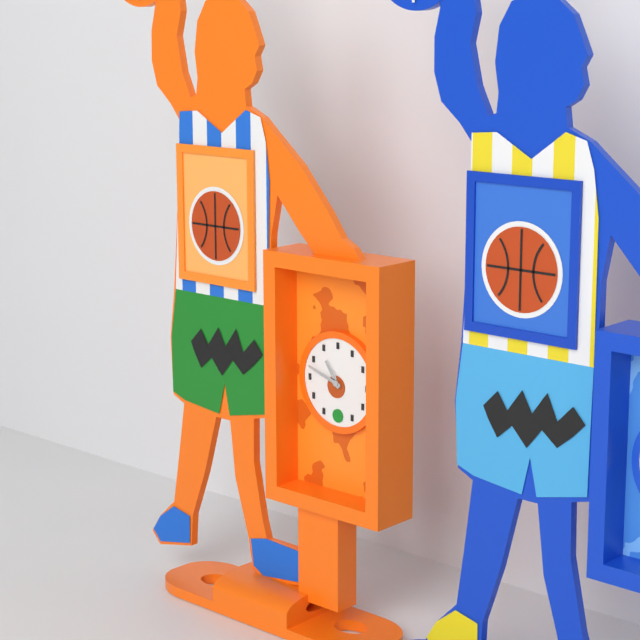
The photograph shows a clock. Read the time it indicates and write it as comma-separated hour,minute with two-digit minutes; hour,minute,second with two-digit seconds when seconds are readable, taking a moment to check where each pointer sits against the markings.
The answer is 10,48
